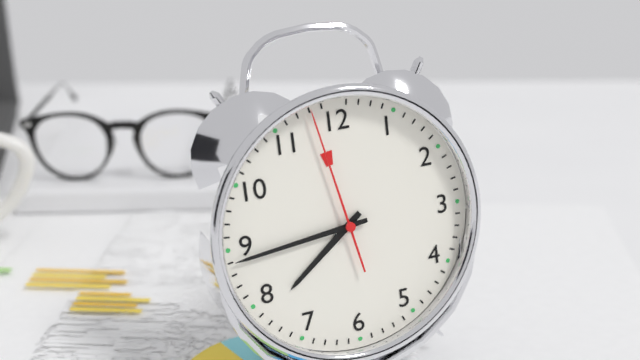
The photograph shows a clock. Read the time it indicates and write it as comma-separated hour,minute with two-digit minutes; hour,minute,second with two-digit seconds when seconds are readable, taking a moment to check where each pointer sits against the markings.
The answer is 7,44,58
